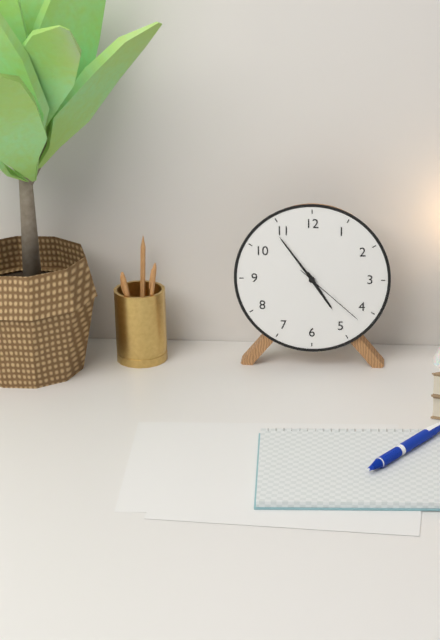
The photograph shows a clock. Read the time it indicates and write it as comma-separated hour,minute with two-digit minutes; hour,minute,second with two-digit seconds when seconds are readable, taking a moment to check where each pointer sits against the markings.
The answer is 4,54,22
